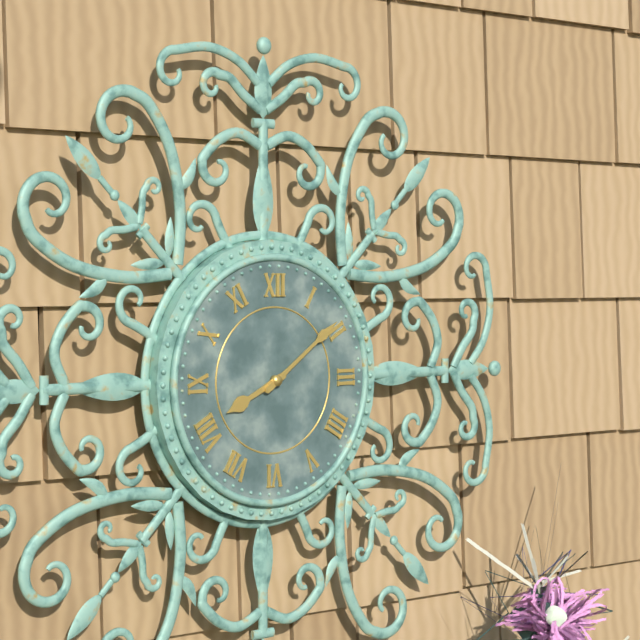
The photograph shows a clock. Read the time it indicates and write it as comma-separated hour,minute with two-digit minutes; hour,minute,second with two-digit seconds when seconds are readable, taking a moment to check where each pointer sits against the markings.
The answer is 8,09
